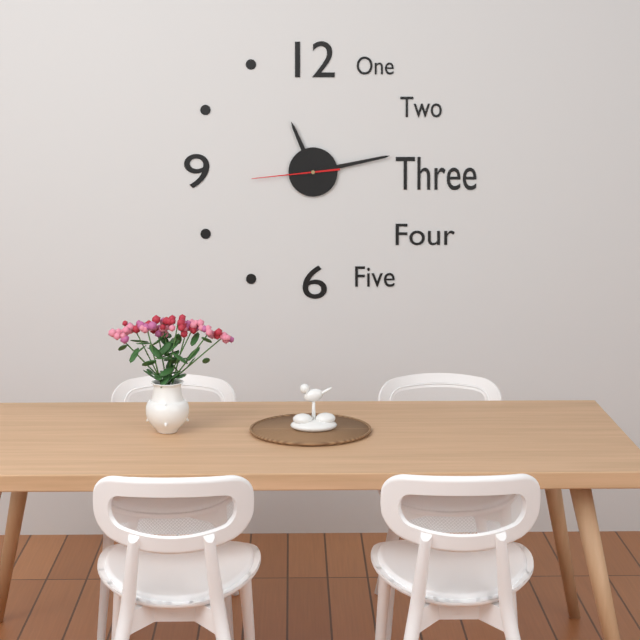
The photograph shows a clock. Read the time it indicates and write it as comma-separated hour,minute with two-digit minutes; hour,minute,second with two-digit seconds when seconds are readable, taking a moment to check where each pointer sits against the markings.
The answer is 11,13,44
